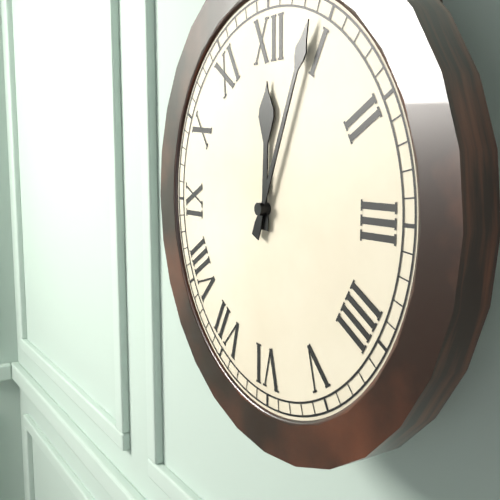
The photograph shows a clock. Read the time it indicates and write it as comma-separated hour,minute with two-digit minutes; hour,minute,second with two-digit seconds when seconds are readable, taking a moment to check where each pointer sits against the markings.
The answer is 12,04
